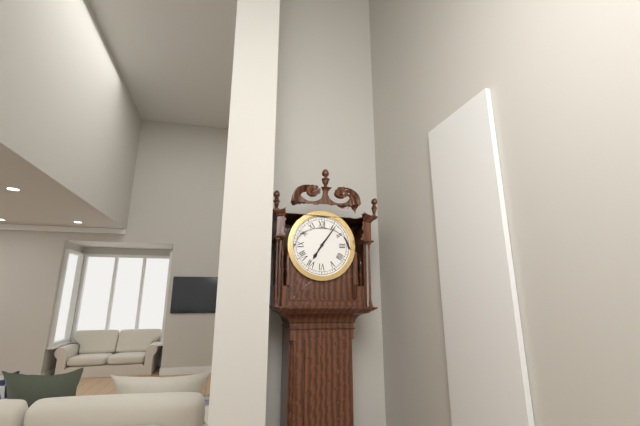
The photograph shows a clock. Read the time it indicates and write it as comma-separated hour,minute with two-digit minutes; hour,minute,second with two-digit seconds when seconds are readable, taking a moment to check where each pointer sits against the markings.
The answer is 7,06
